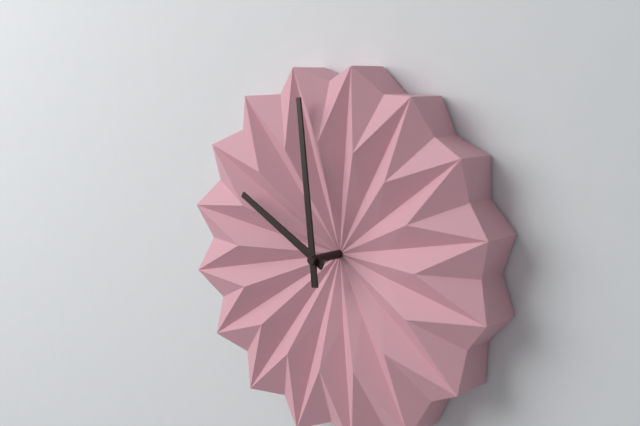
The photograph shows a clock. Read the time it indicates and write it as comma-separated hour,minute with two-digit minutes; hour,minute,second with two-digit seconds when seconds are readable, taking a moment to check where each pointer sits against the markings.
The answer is 9,59
